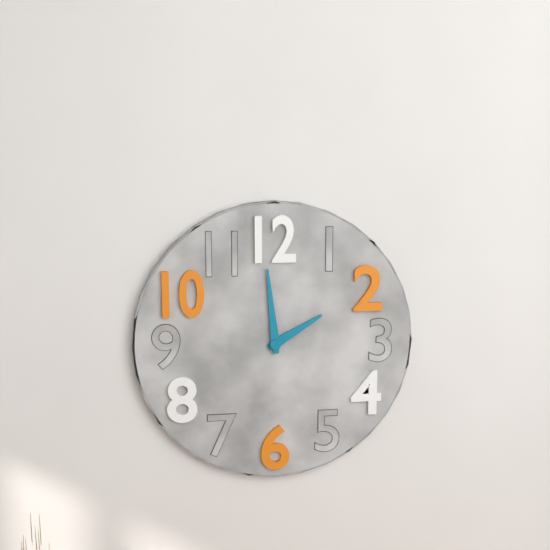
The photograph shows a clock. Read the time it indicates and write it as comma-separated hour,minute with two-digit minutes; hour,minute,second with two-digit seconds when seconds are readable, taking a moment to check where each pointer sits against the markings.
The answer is 1,59
